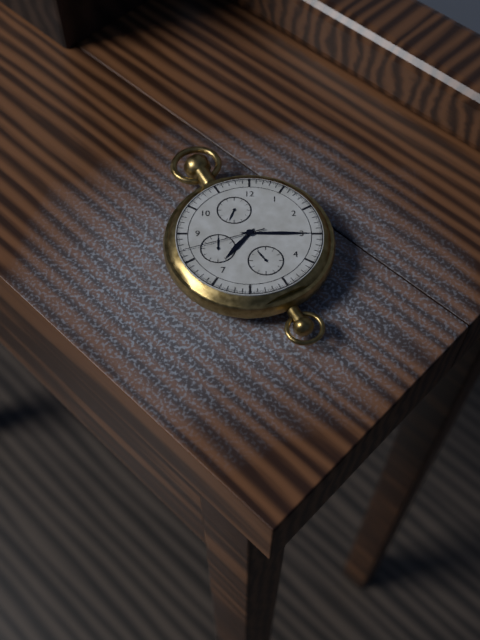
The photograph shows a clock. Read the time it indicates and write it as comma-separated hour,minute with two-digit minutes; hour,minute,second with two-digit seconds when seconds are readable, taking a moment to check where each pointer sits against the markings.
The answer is 7,15,42
